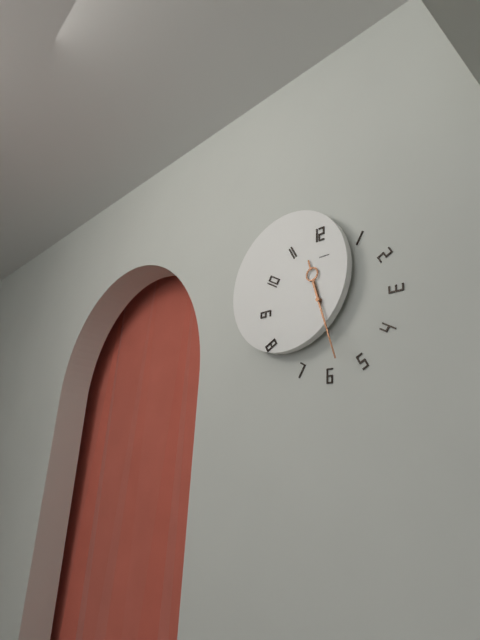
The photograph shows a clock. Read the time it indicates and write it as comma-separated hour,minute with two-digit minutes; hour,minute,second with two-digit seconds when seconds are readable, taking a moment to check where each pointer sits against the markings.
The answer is 11,27
